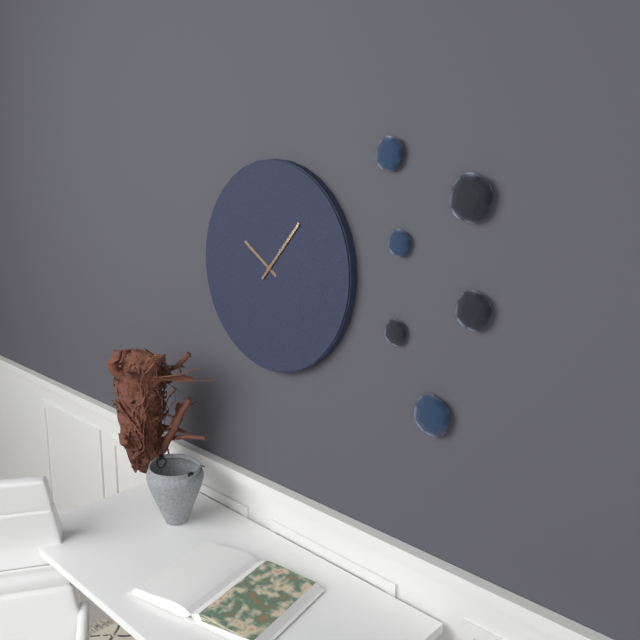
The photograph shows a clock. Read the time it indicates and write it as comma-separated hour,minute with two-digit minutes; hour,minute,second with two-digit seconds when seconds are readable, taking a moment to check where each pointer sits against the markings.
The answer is 10,07
